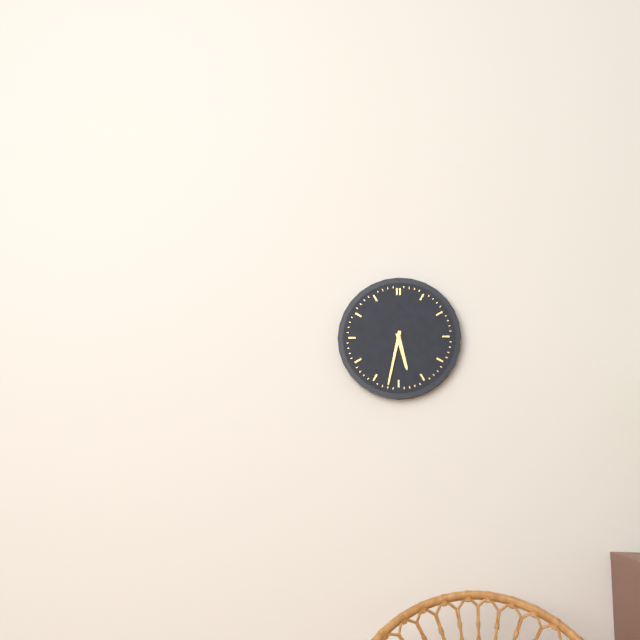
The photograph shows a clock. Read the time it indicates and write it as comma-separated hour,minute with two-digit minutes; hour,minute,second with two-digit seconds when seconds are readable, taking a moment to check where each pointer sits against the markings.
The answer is 5,32
